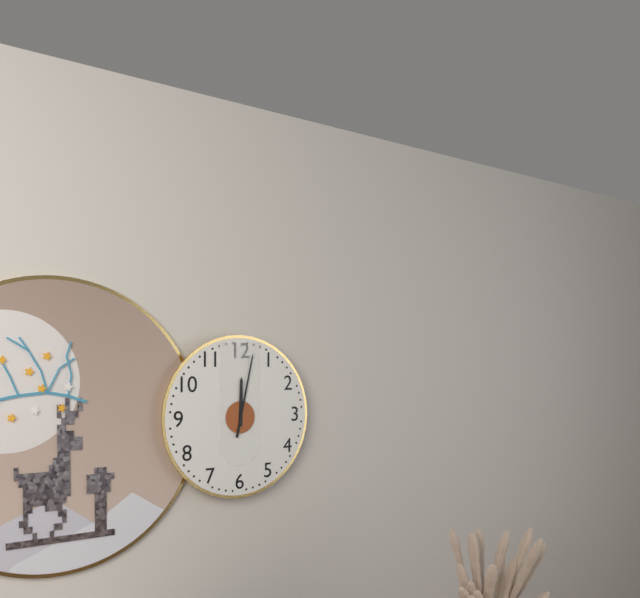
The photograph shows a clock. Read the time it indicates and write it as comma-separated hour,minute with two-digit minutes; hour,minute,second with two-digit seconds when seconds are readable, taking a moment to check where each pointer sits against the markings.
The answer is 12,02
